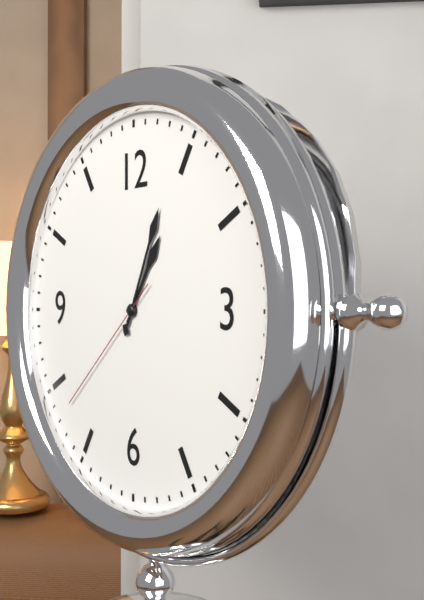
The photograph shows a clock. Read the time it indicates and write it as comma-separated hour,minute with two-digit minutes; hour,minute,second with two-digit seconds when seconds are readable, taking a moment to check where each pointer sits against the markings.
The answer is 1,04,38
